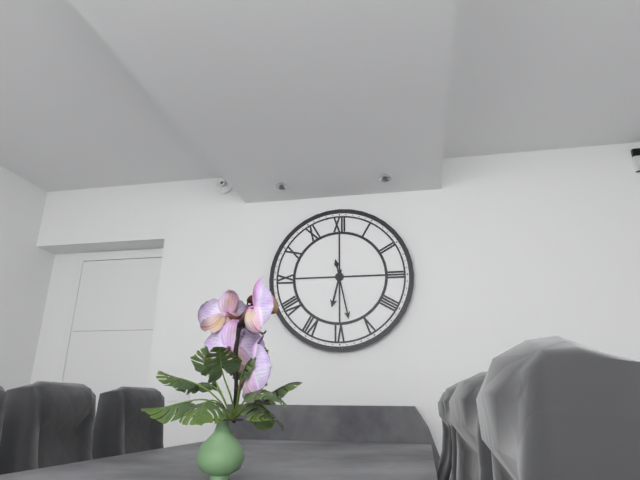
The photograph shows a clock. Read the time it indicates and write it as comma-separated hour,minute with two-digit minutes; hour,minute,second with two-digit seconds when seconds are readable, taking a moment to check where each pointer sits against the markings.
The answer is 6,28
